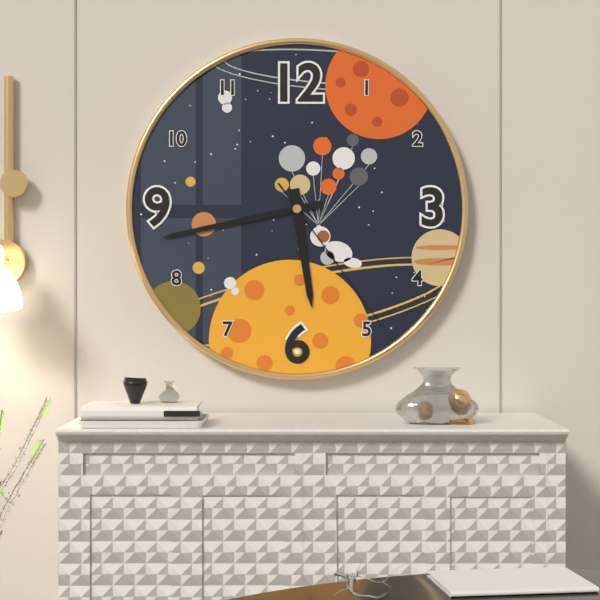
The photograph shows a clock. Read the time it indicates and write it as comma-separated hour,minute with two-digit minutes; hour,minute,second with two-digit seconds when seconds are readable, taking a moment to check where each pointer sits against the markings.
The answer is 5,43,24
